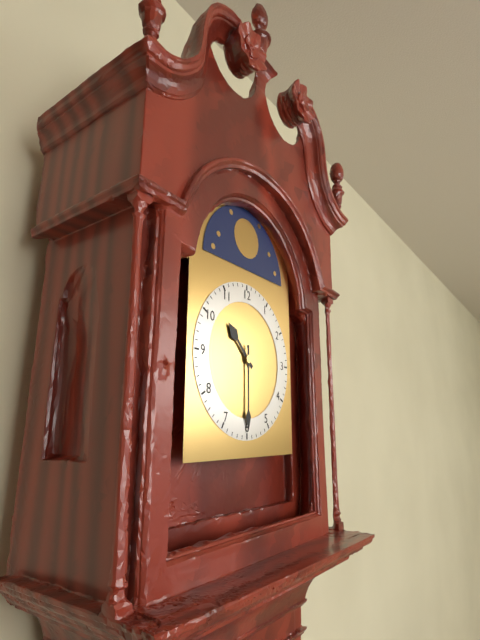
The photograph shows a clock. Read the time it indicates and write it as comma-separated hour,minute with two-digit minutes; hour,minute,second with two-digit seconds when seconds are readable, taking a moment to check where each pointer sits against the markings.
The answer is 10,30
